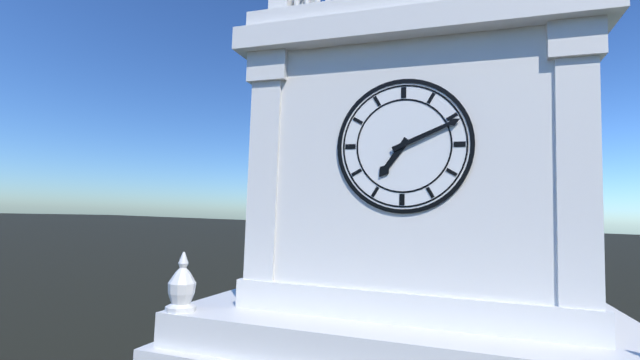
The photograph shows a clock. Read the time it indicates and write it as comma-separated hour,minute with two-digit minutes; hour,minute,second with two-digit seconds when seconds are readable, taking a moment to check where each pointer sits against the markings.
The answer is 7,11
